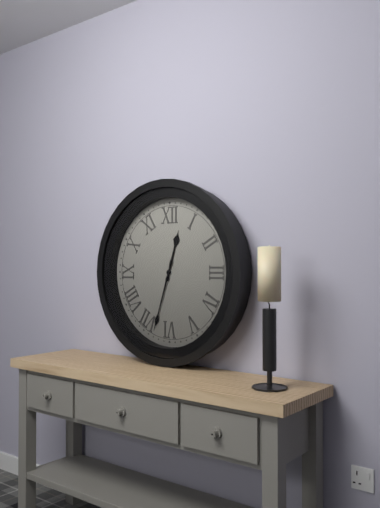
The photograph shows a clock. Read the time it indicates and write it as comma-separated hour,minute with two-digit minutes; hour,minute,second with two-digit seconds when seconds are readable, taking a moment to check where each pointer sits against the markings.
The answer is 12,33
